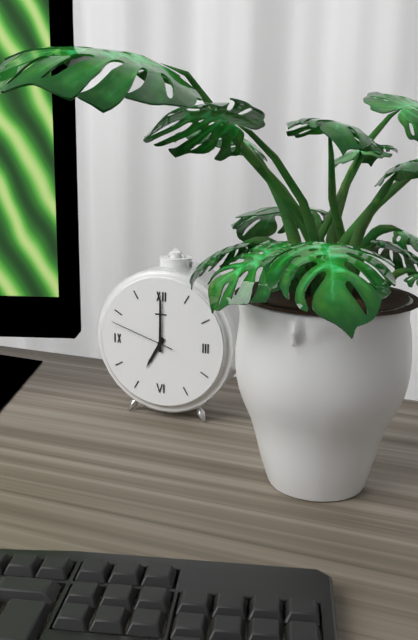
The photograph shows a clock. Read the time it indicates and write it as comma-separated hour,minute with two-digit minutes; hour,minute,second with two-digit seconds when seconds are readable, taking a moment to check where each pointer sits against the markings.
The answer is 7,00,48
